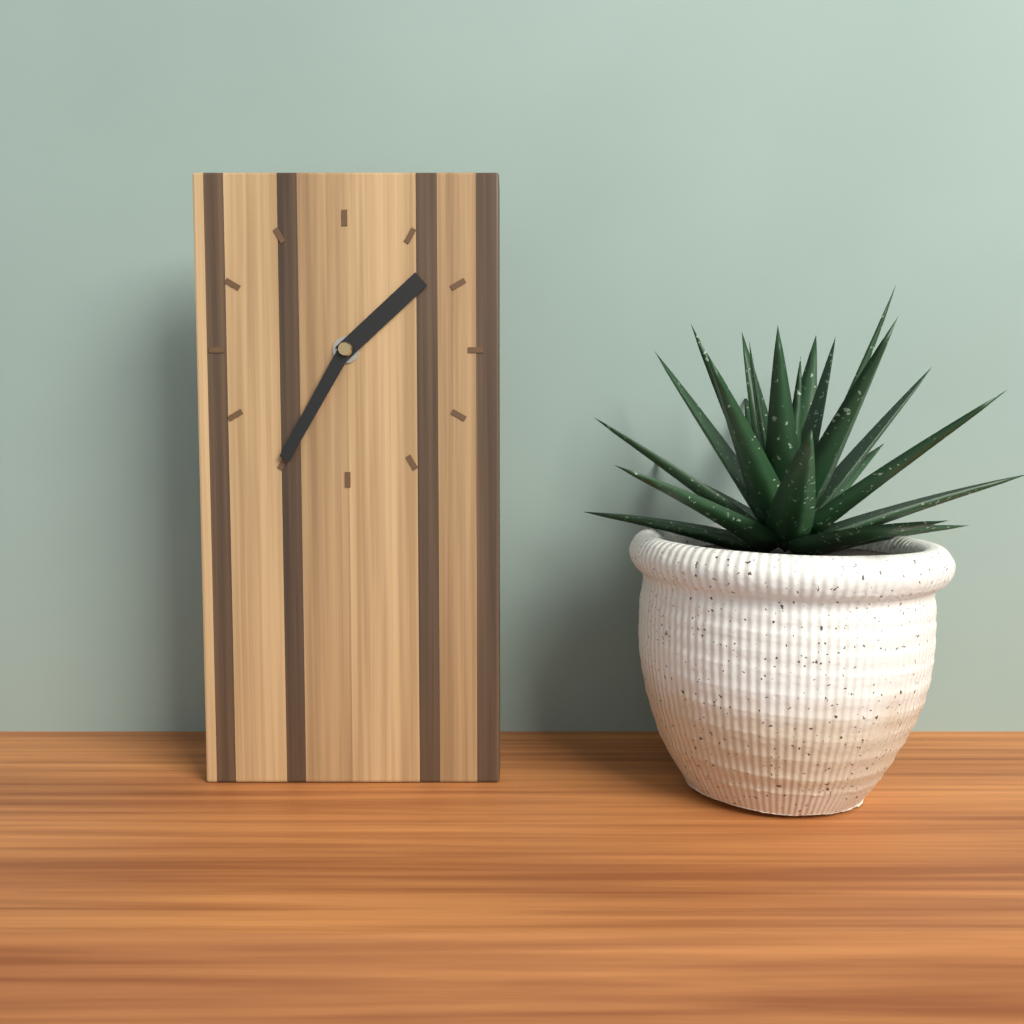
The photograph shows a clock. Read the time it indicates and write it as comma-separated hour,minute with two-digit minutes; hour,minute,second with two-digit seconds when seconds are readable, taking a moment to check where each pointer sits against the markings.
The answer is 1,35
